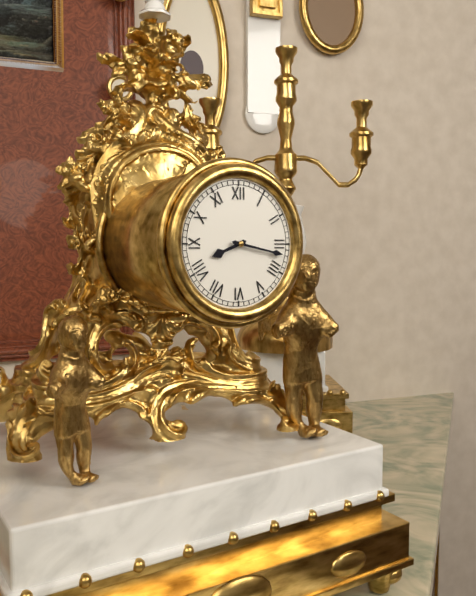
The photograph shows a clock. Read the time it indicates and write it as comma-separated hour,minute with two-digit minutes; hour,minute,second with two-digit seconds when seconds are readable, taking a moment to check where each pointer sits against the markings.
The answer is 8,17
